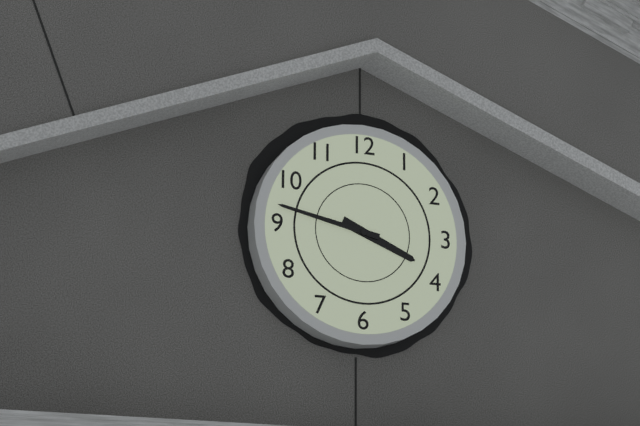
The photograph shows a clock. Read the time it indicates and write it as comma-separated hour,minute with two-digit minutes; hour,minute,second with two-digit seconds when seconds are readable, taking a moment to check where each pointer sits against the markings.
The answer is 3,47
